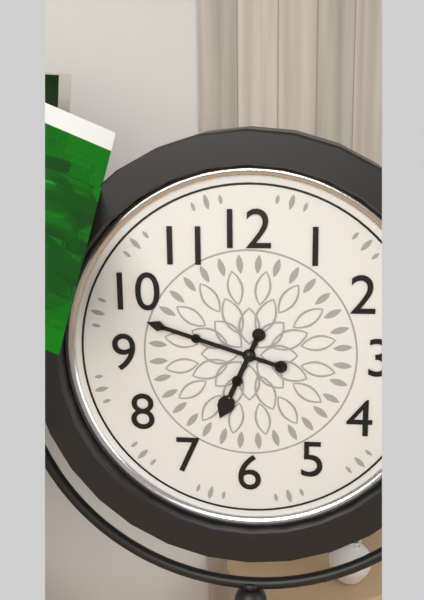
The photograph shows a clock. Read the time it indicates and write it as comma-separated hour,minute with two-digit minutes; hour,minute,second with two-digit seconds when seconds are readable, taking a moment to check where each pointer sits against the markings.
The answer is 6,48
